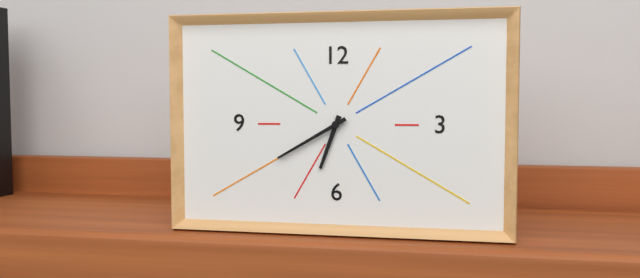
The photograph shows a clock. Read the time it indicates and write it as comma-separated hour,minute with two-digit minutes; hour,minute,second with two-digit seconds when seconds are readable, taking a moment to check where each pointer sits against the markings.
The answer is 6,40
